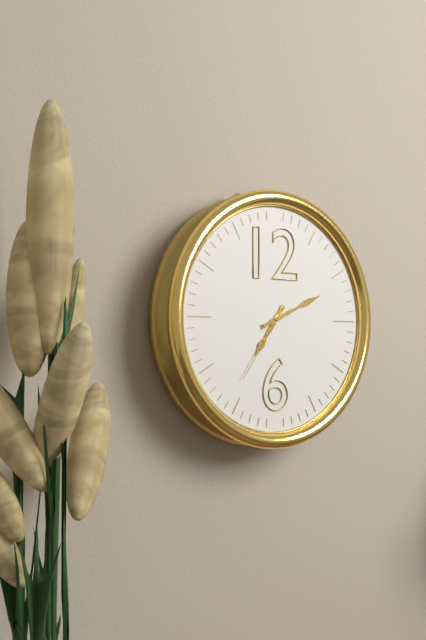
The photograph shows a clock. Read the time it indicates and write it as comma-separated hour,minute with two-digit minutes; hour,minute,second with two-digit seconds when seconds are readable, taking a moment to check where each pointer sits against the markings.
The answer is 7,11,36
